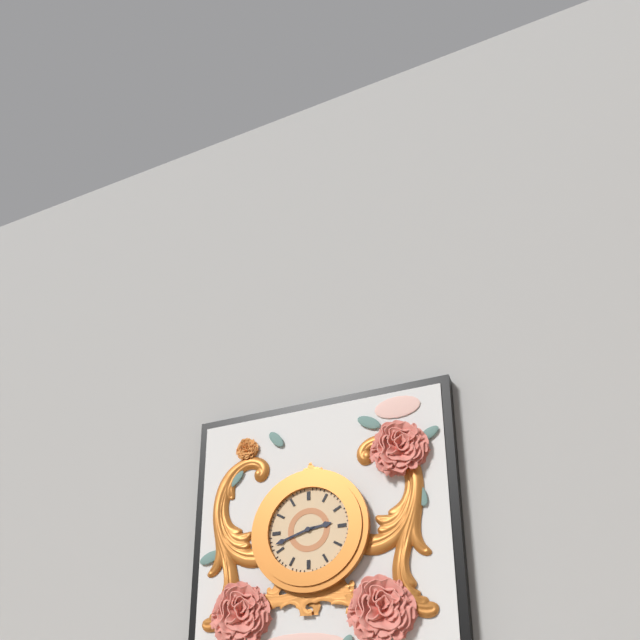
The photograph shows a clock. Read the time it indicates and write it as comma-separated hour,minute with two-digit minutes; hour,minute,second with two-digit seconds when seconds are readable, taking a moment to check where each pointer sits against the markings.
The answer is 2,42
